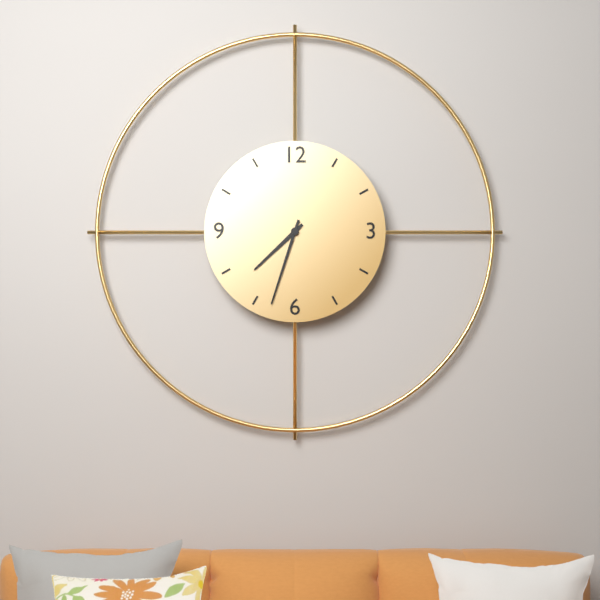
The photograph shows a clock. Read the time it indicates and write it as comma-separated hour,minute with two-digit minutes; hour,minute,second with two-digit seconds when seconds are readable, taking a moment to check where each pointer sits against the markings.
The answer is 7,33
